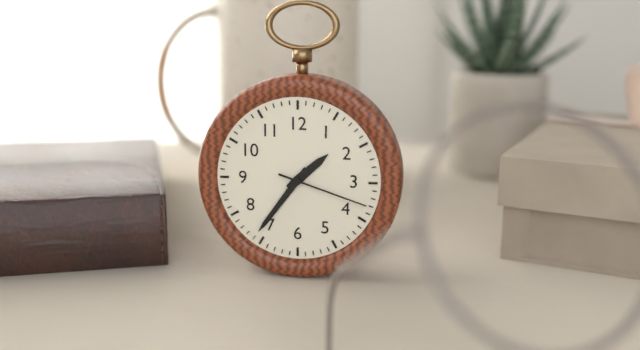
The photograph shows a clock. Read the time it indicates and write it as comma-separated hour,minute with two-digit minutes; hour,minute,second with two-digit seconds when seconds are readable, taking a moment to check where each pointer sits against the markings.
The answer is 1,36,18
